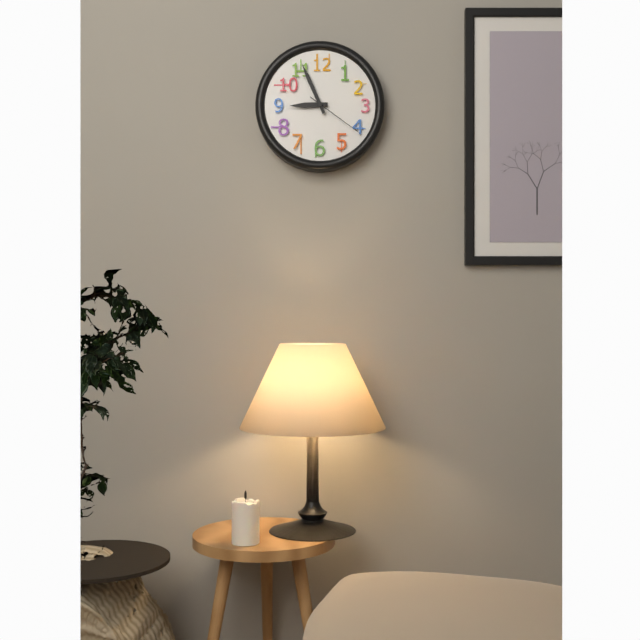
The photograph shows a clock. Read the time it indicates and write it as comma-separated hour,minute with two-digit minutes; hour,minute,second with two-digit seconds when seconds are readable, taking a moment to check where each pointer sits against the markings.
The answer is 8,56,21
